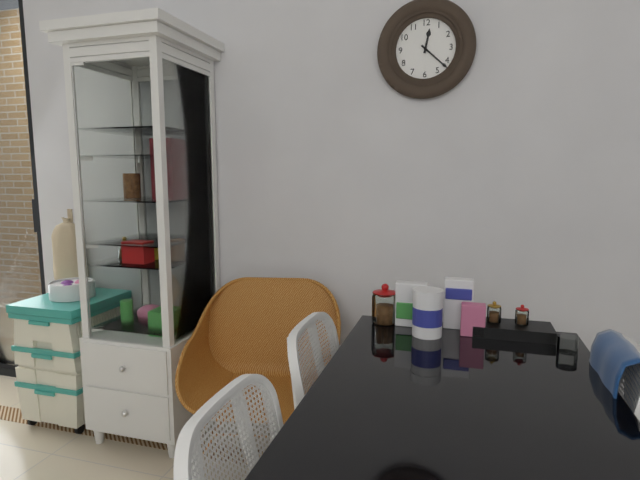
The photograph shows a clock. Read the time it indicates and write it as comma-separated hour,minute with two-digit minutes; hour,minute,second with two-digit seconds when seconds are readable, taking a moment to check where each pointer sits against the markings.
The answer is 12,22
